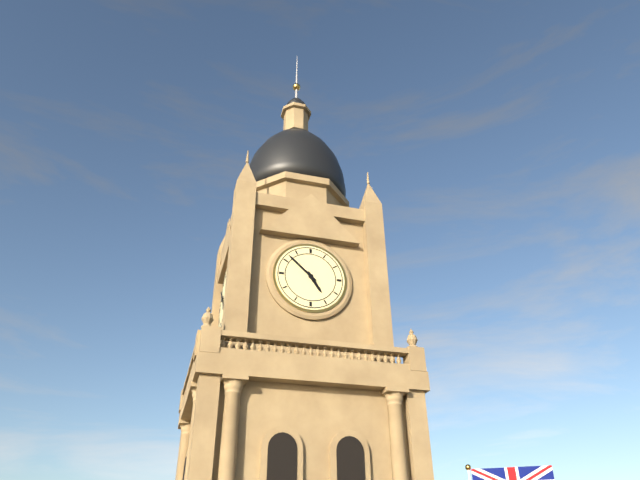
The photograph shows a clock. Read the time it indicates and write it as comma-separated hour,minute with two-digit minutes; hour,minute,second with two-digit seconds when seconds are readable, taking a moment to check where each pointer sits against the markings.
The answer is 4,52
